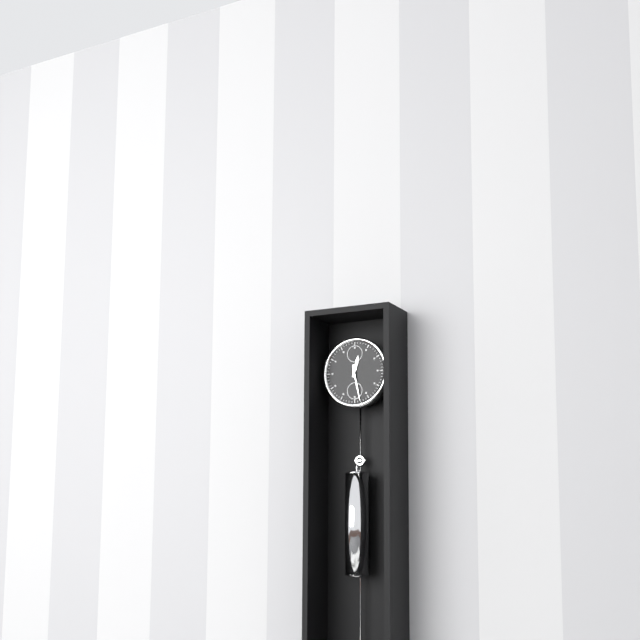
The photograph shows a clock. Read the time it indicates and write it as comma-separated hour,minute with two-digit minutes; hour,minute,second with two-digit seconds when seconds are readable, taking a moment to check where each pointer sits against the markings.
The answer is 12,28
